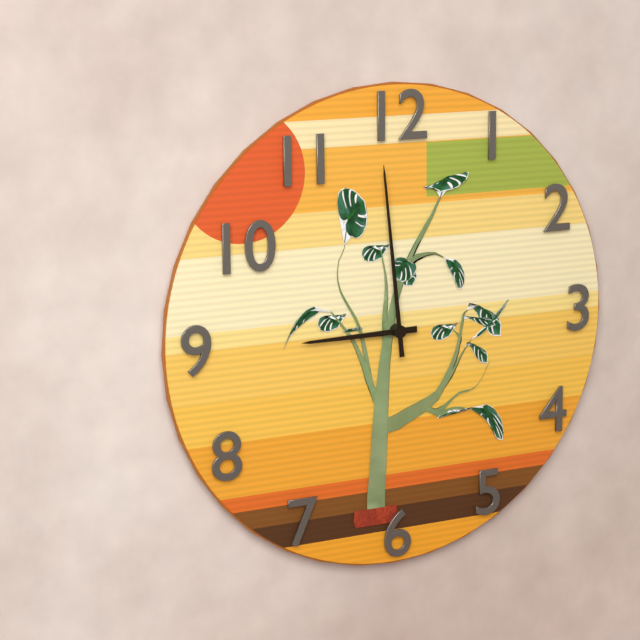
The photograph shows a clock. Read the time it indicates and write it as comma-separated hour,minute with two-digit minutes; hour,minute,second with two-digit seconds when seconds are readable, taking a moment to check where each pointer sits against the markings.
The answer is 8,59
